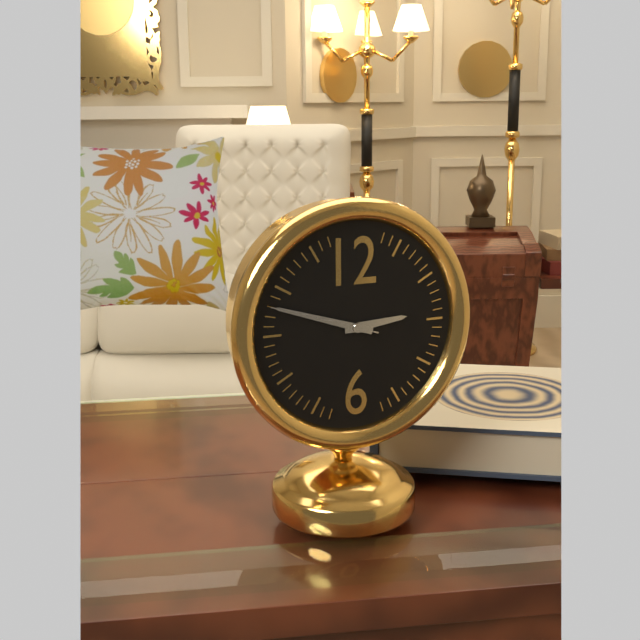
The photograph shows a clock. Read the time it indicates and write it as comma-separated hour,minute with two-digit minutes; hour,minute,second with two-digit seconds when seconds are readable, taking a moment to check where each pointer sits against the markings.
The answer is 2,48,48
